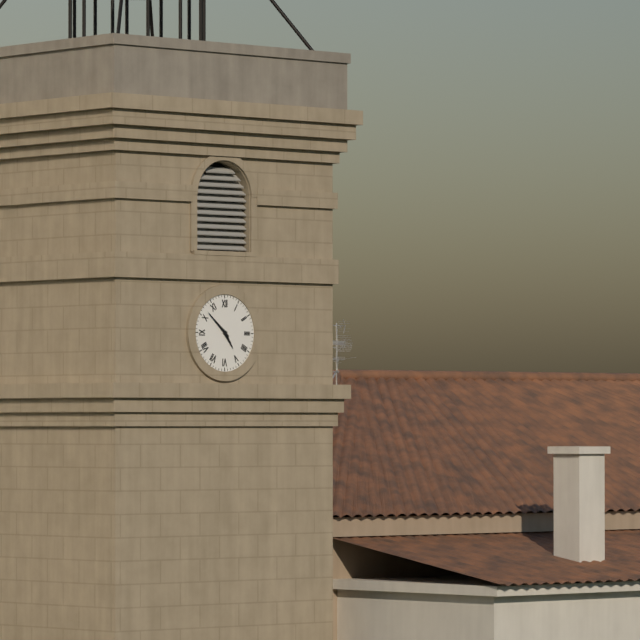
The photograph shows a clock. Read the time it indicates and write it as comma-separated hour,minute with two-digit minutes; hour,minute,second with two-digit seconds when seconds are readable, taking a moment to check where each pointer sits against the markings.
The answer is 4,52
